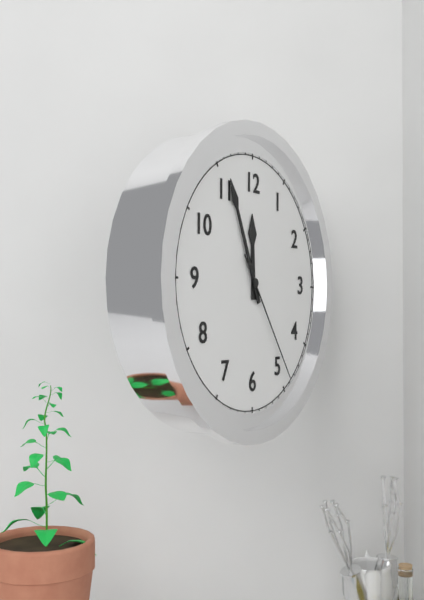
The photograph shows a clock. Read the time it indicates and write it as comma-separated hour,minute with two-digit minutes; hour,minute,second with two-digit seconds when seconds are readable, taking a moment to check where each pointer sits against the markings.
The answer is 11,56,24
